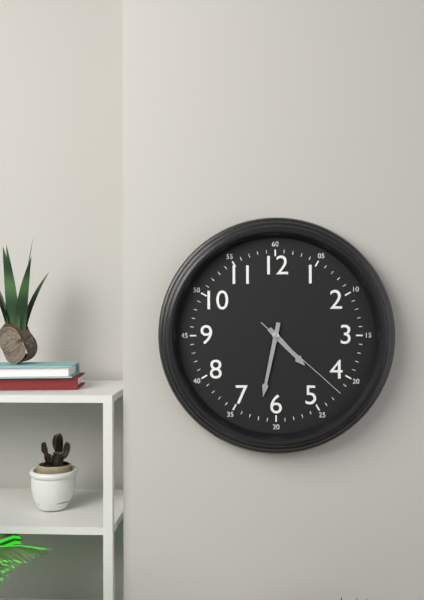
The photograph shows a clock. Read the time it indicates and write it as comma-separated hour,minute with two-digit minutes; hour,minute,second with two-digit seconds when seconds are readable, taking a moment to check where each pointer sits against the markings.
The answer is 4,32,22
